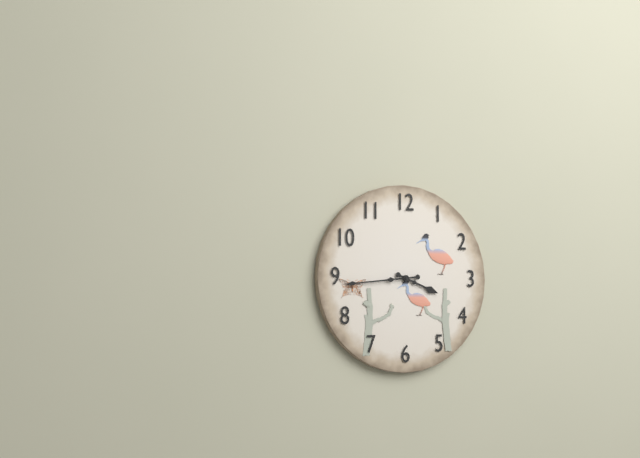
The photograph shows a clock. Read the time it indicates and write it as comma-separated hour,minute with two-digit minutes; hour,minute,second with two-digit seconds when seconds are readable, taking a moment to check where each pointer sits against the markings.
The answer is 3,44
